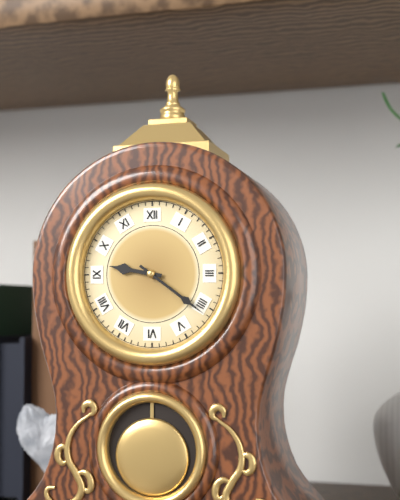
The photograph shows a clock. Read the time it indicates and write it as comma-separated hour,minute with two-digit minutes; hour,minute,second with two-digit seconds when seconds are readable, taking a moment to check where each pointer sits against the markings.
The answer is 9,21
